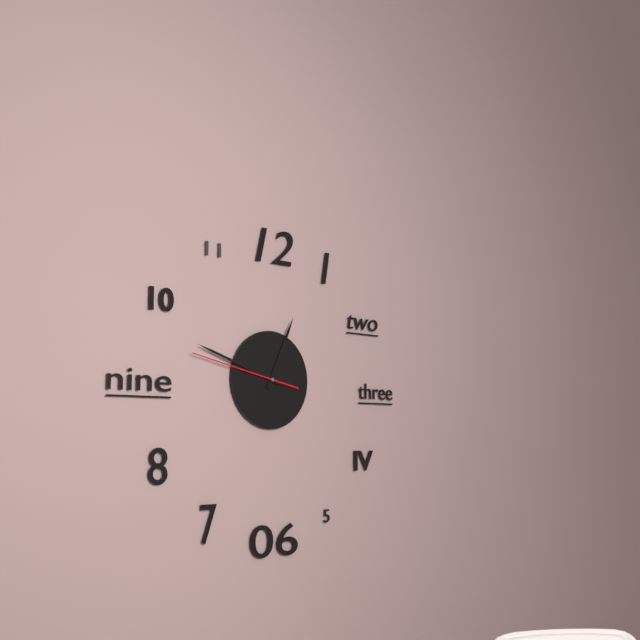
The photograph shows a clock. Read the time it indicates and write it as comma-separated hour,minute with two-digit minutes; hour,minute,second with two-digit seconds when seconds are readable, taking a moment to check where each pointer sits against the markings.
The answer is 12,48,47
